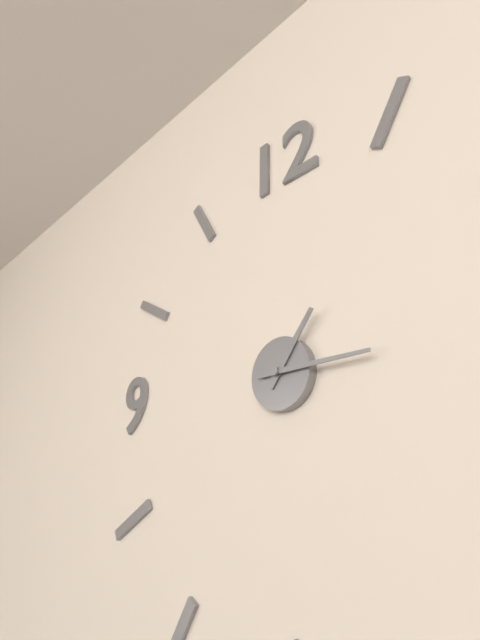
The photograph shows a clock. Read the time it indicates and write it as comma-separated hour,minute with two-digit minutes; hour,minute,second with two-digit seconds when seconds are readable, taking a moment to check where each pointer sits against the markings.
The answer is 1,15
